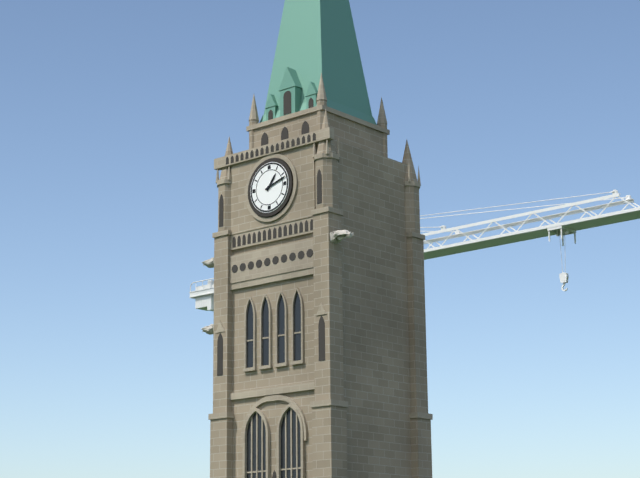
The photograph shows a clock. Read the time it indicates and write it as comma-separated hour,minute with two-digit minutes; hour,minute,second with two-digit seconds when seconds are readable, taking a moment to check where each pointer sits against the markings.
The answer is 1,12
